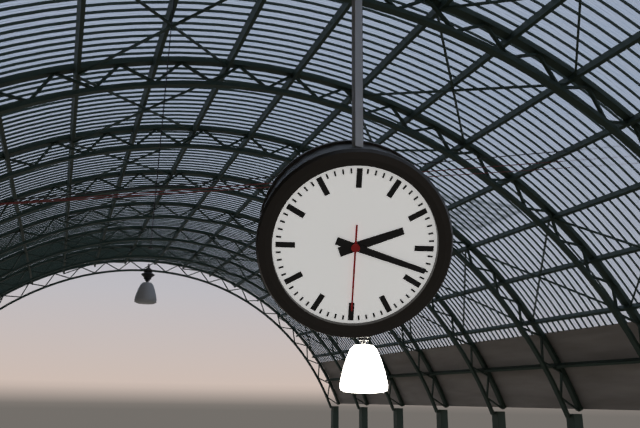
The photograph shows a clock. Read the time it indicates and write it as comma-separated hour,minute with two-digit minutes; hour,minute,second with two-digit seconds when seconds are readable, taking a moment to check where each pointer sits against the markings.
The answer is 2,18,30
